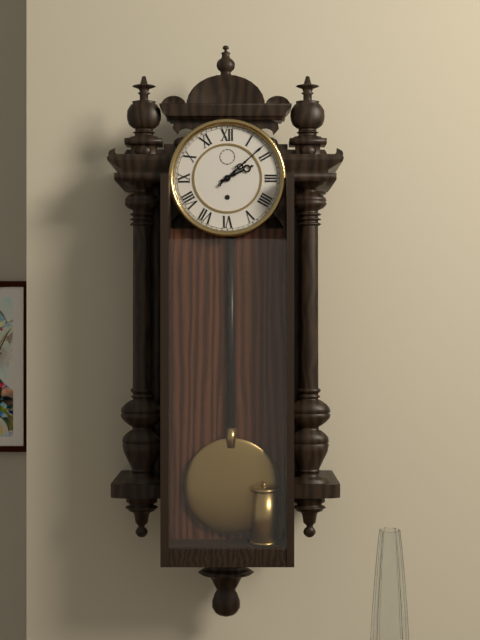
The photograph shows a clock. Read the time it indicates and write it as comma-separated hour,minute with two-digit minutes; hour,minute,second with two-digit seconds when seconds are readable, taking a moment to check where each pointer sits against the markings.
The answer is 2,08
